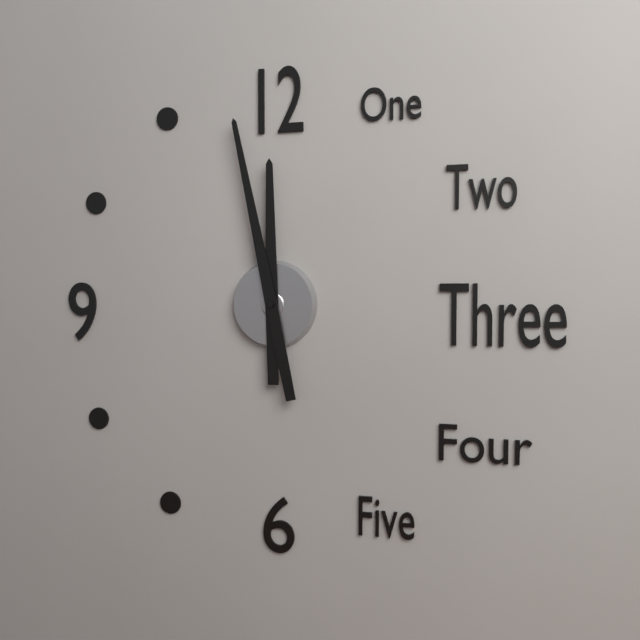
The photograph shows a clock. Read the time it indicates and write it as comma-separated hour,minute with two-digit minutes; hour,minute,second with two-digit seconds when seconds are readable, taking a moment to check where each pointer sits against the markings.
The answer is 11,58
